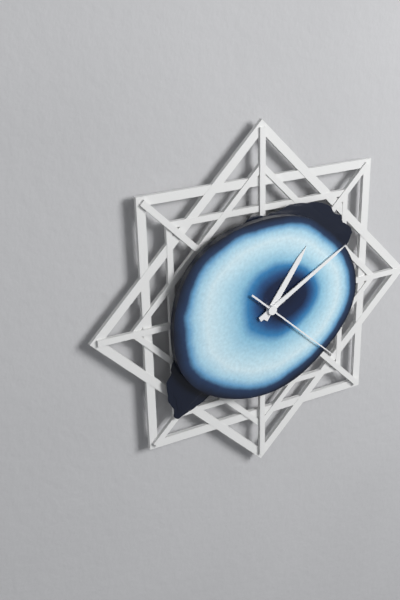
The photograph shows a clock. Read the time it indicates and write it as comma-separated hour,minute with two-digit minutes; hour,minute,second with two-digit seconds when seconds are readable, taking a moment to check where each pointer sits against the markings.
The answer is 1,10,22
